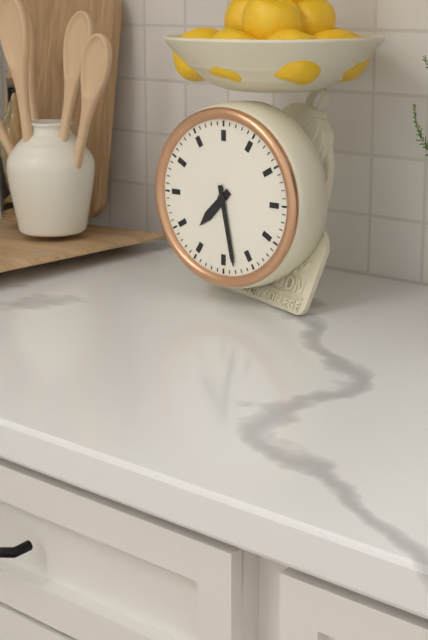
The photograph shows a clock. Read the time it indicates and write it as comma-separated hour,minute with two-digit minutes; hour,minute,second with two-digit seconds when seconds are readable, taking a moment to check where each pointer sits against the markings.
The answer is 7,28
